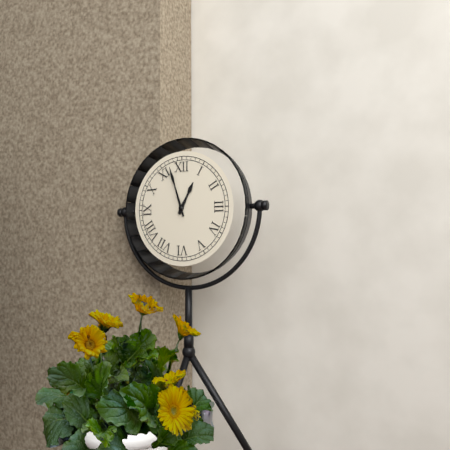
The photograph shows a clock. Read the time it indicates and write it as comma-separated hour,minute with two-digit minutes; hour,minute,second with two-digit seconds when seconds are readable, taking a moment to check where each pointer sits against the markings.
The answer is 12,57
